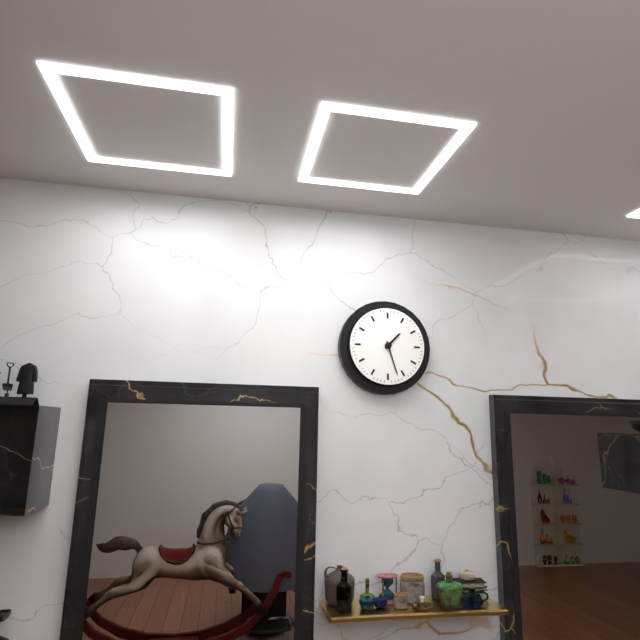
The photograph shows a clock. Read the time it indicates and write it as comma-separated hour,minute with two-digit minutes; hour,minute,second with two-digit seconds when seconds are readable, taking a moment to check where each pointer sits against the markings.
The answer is 1,27
